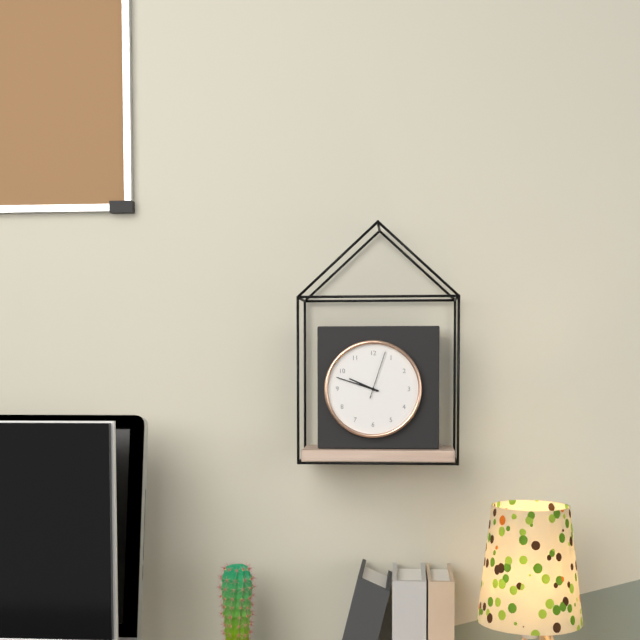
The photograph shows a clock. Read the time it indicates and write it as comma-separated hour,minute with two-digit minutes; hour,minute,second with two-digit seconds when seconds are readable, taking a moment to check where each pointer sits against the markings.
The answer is 9,48
